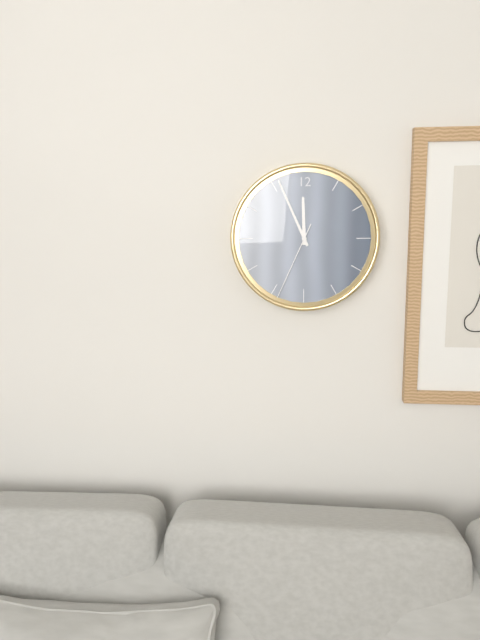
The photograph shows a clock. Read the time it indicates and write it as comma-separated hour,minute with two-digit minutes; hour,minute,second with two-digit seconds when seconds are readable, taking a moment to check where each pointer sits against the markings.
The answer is 11,56,34
